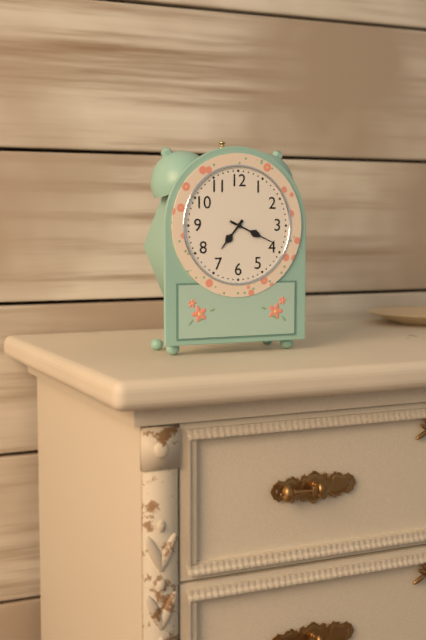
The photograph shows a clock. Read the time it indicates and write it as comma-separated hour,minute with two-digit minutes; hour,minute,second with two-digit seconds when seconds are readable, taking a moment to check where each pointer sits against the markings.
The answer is 7,19
